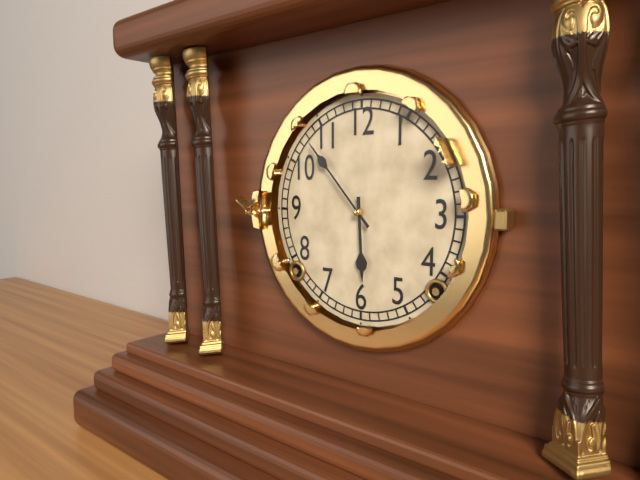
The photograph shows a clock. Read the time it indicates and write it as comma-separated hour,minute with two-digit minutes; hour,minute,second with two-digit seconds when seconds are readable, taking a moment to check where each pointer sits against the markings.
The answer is 5,53
